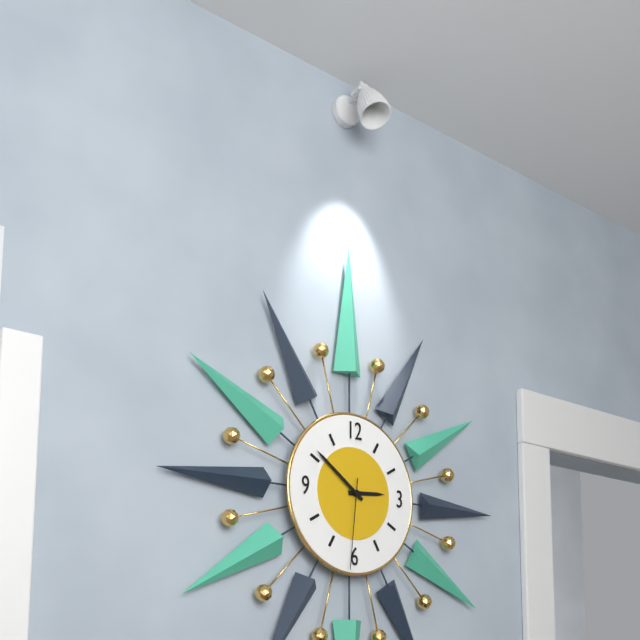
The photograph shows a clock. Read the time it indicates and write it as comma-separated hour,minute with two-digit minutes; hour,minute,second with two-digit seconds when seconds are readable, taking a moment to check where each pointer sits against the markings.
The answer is 2,51,31
